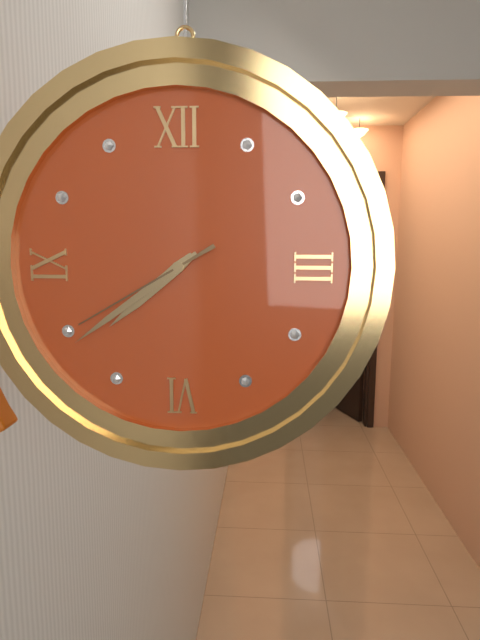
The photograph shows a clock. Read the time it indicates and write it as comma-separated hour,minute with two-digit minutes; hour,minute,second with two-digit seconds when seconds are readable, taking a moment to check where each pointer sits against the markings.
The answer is 7,39,40
